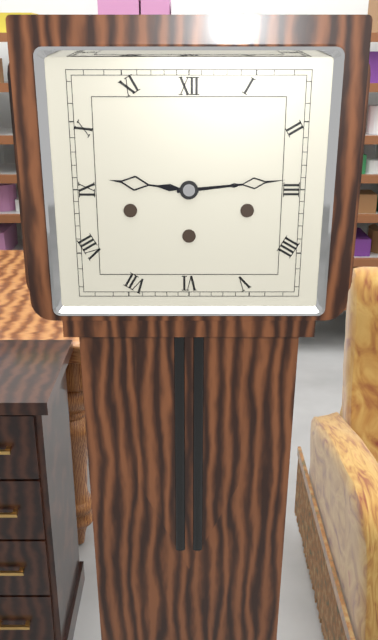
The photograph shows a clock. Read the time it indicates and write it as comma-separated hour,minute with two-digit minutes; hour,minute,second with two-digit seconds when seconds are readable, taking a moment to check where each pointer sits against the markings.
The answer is 9,14
